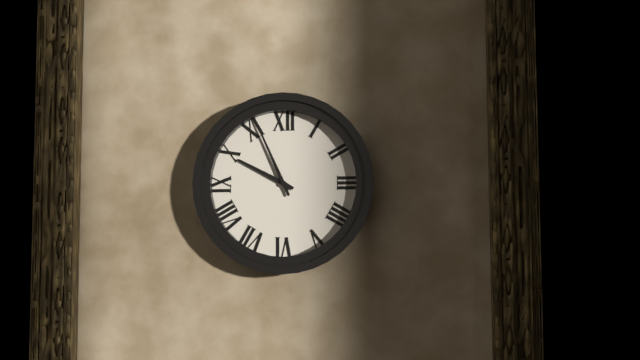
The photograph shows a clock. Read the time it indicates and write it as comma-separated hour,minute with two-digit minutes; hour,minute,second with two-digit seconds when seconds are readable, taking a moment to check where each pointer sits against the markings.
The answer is 9,56
